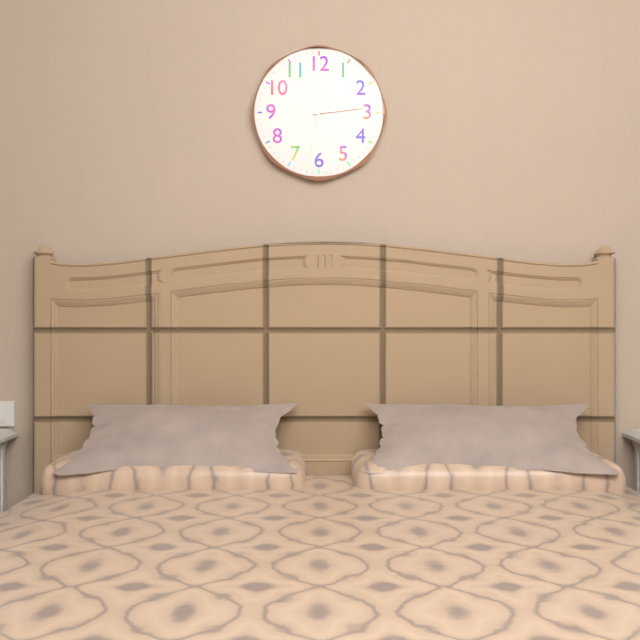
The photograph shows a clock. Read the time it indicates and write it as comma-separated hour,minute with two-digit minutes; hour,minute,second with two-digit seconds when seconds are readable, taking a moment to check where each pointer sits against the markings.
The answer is 12,14,32
